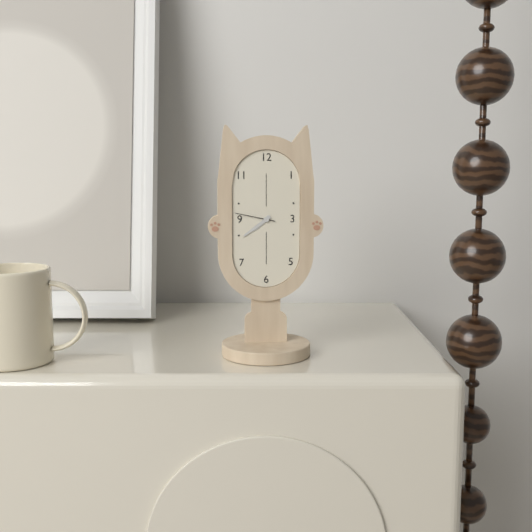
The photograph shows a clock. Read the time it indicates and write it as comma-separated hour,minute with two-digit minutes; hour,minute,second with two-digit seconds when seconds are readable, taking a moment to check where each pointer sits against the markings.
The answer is 7,39
